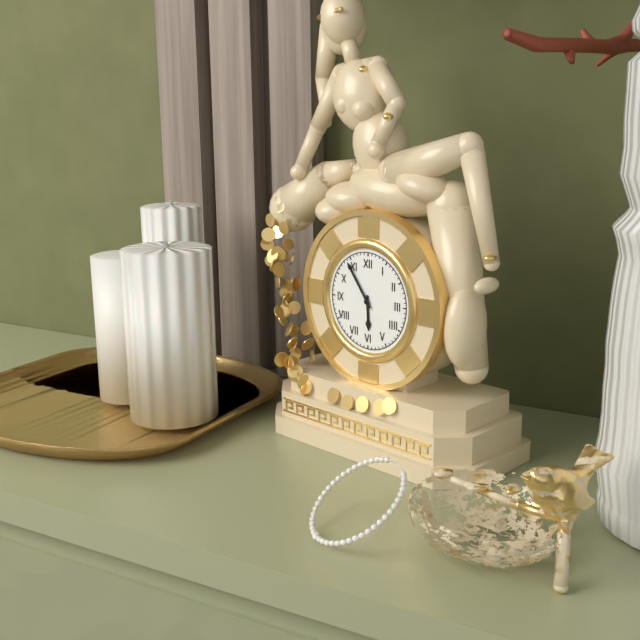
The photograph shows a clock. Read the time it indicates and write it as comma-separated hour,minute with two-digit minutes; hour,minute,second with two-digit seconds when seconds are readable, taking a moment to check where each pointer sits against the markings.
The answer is 5,54
